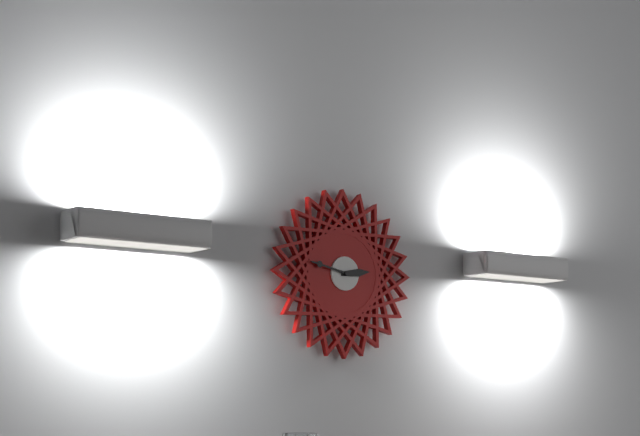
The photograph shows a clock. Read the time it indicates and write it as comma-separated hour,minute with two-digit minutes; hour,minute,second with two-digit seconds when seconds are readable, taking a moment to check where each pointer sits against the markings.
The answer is 2,47
